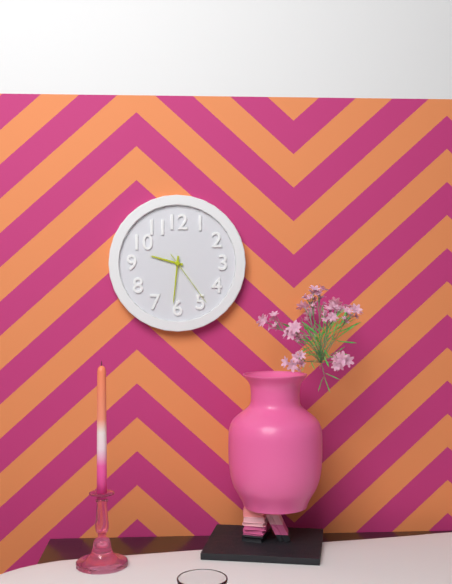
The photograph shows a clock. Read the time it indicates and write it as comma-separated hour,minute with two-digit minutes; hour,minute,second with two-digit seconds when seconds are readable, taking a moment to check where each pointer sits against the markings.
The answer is 9,31,24
